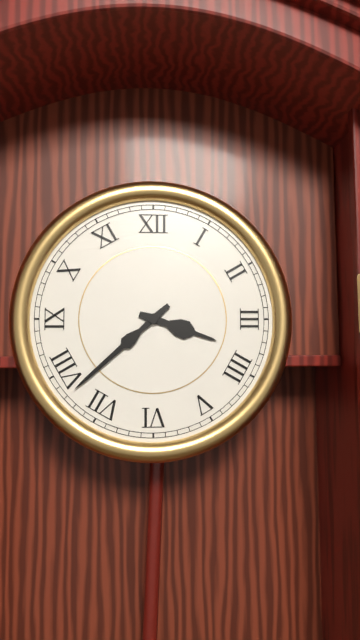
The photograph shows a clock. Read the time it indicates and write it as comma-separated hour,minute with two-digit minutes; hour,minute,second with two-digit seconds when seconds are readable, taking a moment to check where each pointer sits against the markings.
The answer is 3,38
